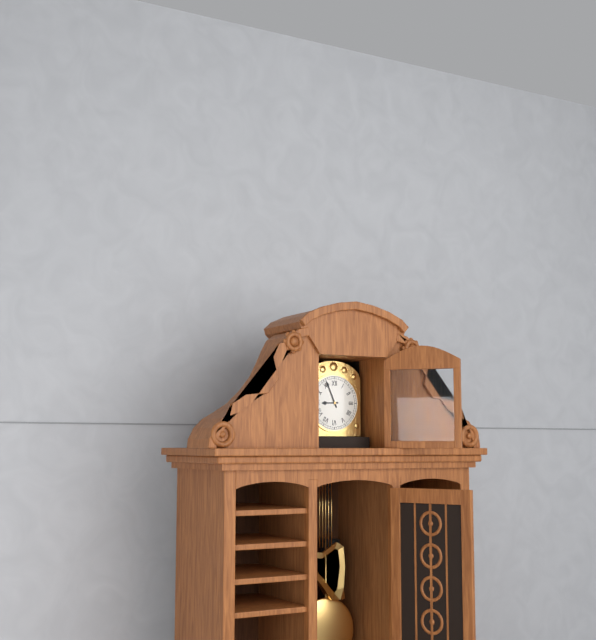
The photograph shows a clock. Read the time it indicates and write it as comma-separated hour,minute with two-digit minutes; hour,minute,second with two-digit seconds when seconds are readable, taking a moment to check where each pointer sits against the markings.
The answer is 8,56
